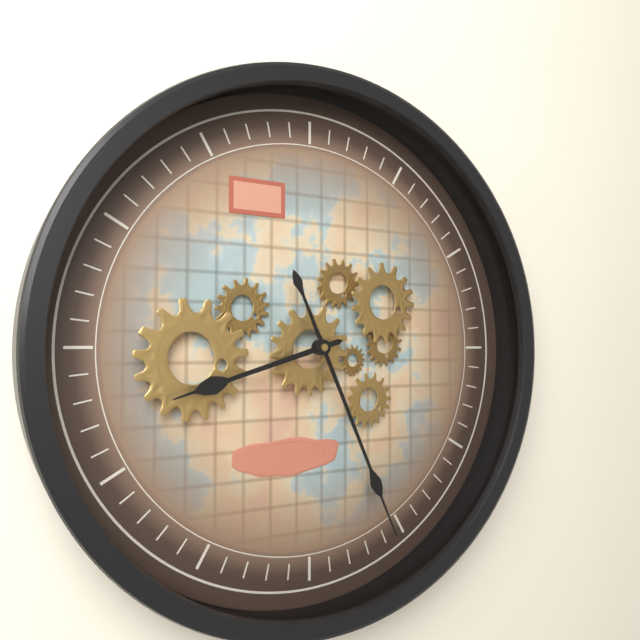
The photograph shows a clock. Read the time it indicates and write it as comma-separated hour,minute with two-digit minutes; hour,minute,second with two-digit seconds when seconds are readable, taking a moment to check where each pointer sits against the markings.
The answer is 8,26
